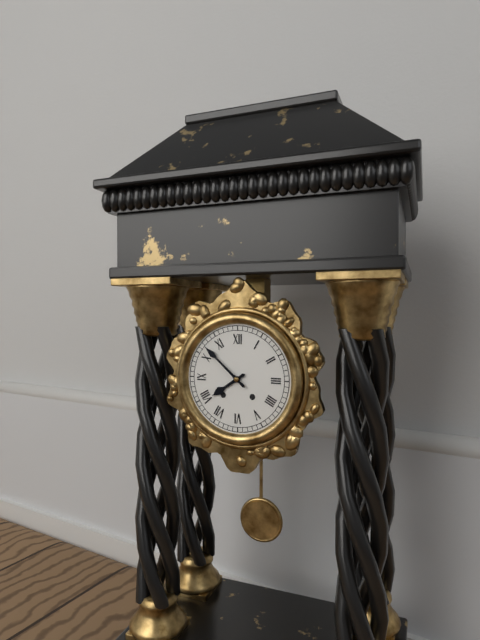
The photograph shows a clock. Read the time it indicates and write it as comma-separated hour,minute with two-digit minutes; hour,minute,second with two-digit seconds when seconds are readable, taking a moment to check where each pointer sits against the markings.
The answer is 7,52
